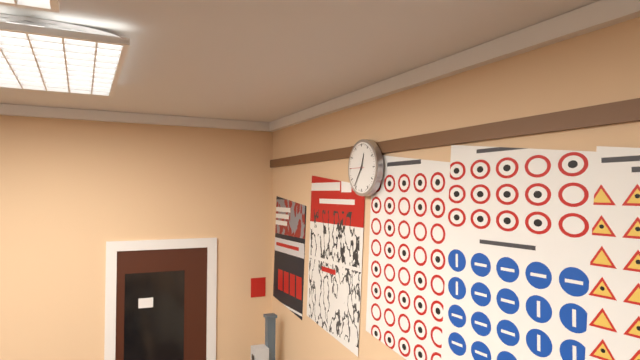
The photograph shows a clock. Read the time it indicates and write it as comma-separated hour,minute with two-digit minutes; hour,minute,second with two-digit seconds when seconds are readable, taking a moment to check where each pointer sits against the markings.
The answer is 12,36
